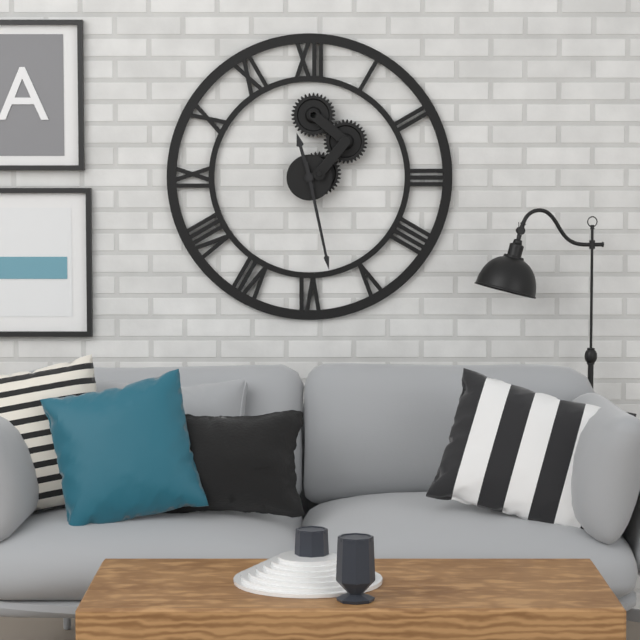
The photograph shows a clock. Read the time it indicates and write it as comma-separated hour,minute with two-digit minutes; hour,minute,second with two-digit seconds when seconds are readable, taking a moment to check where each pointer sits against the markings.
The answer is 11,28
